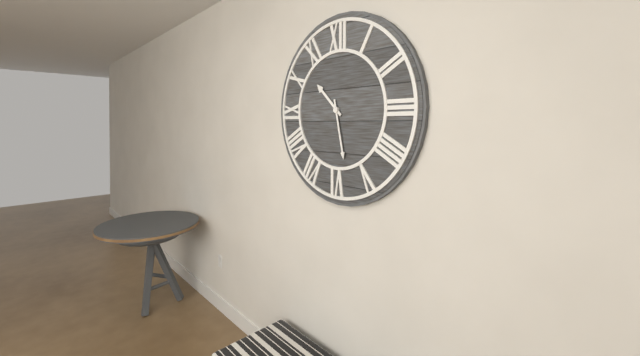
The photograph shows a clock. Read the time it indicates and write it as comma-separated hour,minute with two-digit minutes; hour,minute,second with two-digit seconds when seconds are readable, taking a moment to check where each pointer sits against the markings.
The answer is 10,28
